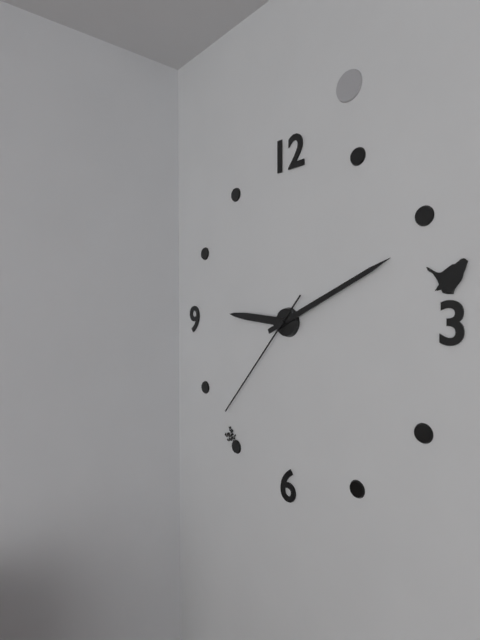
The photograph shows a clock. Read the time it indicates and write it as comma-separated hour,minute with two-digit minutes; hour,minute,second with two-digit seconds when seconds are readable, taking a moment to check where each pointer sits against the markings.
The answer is 9,11,37
